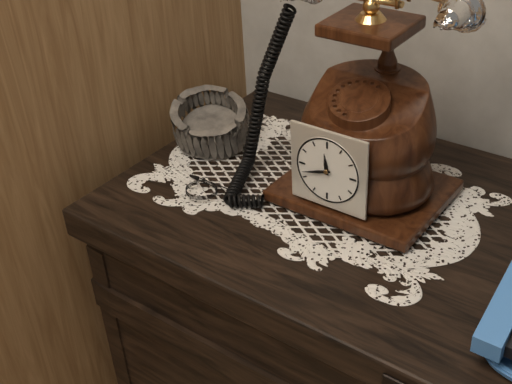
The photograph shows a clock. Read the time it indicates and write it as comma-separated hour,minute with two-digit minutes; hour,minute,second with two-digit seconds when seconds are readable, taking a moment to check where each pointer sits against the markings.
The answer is 11,42
